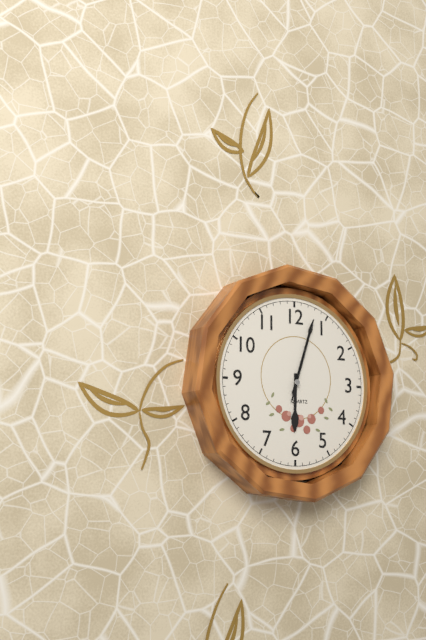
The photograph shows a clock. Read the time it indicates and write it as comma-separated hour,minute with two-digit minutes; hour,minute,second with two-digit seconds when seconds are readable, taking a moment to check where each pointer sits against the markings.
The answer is 6,03,03
